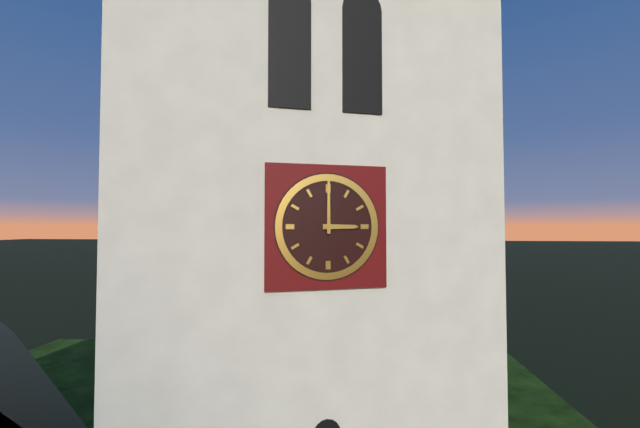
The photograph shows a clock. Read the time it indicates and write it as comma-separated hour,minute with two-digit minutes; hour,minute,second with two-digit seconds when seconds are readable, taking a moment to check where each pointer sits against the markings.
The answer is 3,00
